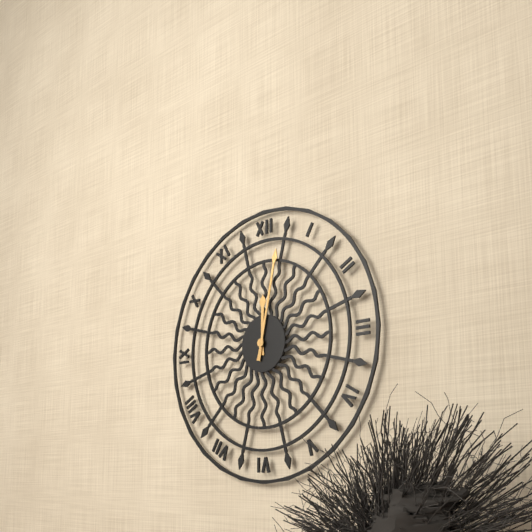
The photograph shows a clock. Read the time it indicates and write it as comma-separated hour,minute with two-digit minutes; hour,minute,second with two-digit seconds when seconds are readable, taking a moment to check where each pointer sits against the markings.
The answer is 12,02
